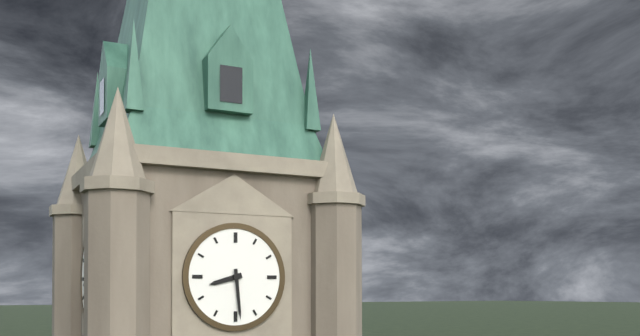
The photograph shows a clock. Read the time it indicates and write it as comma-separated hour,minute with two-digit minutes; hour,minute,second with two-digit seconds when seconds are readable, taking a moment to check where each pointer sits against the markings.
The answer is 8,29
